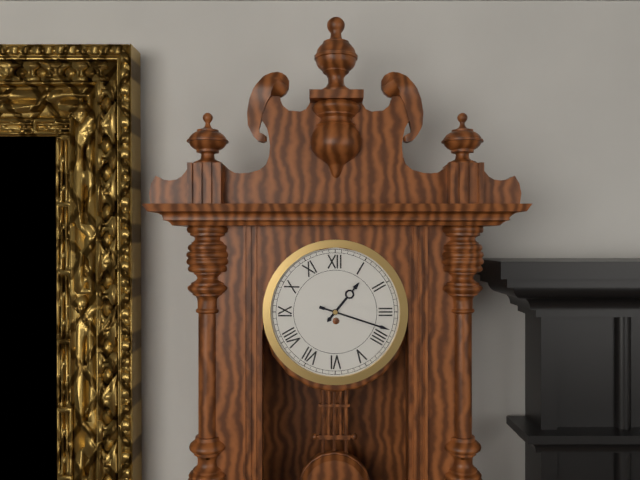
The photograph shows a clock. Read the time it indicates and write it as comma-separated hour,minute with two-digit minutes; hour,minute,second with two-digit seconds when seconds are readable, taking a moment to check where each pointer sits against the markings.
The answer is 1,18
